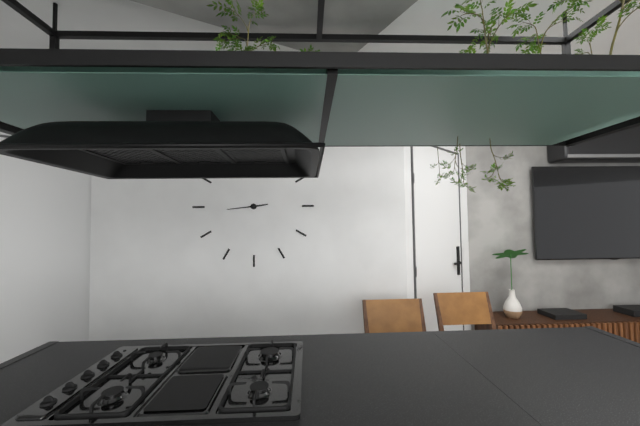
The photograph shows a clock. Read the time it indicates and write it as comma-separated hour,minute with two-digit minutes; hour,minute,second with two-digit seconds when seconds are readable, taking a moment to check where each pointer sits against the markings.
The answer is 2,44
